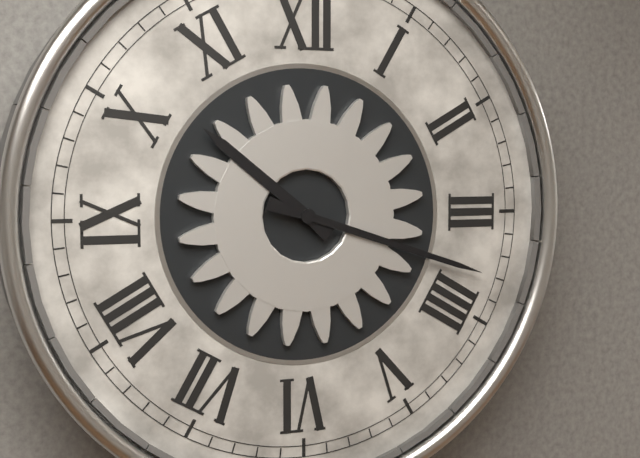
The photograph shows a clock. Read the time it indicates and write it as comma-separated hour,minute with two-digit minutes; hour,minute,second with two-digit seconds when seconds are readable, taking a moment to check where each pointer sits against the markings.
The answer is 10,18
